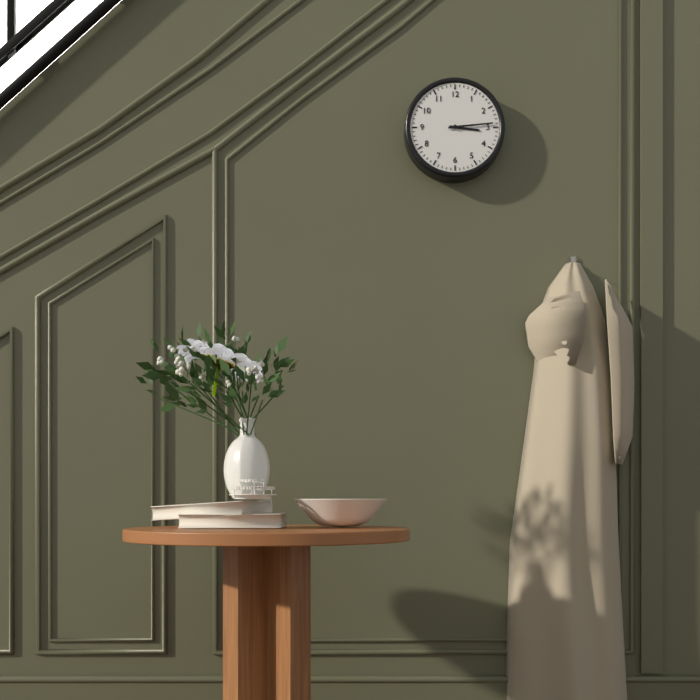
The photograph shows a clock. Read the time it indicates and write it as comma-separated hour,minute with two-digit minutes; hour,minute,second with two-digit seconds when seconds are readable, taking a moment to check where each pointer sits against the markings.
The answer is 3,14
